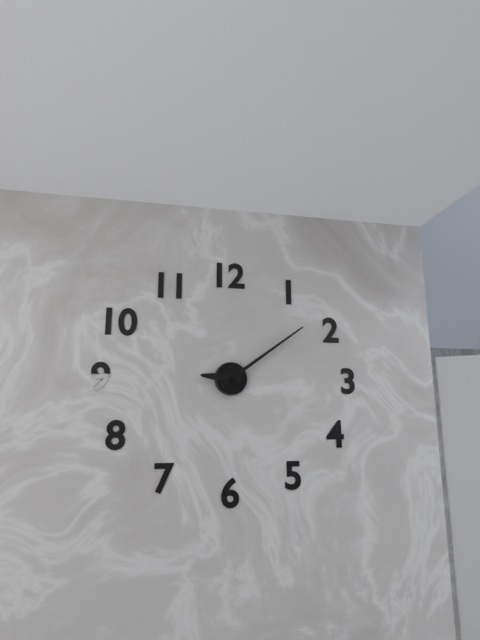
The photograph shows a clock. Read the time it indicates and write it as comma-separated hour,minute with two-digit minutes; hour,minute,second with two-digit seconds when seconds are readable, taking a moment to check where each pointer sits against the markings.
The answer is 9,09
